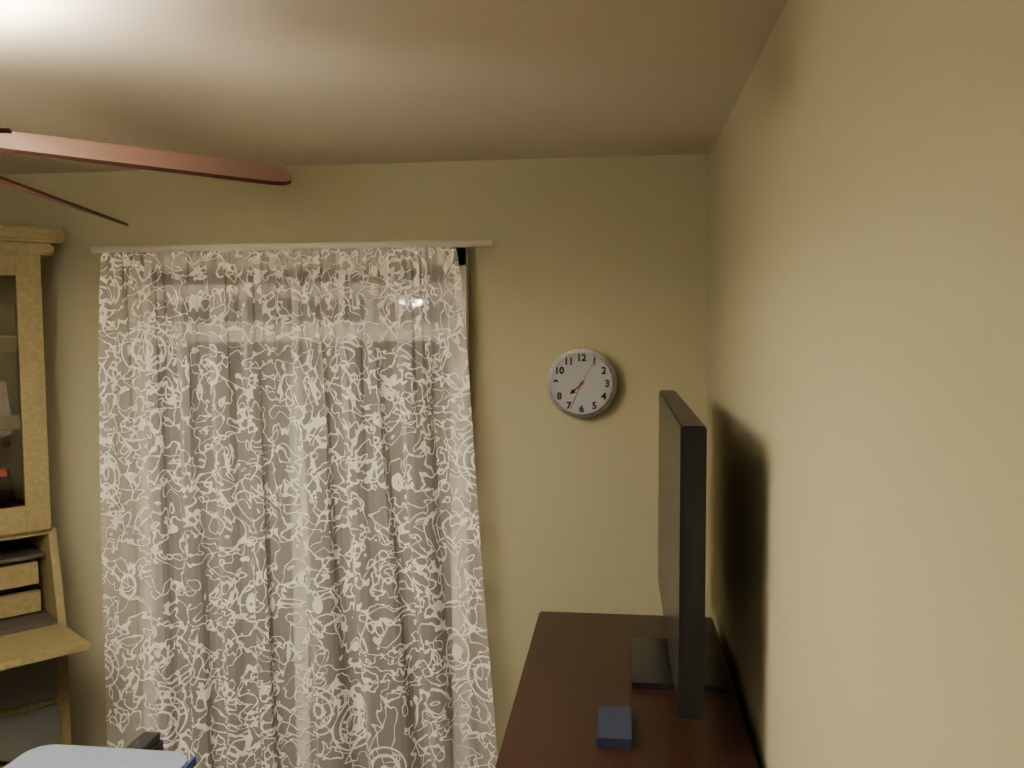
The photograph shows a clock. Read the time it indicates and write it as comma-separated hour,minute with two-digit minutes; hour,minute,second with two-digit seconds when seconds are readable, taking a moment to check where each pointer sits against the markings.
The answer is 7,34
